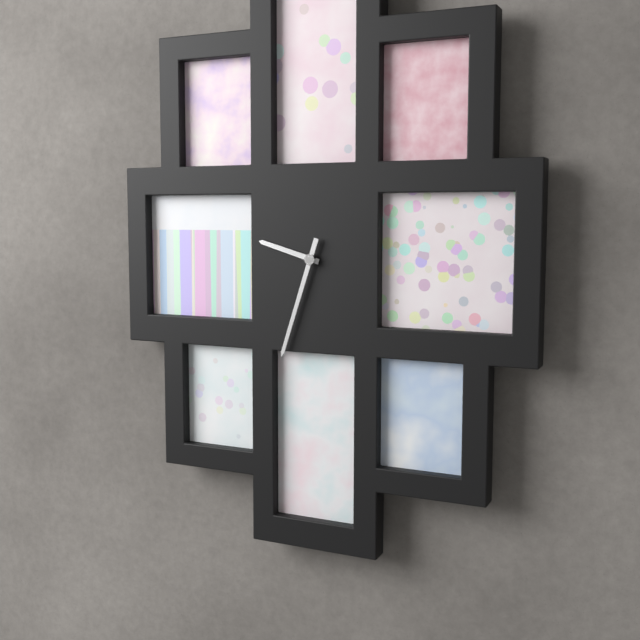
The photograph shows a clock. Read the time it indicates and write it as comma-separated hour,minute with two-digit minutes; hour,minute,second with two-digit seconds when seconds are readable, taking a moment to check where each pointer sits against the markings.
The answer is 9,33
